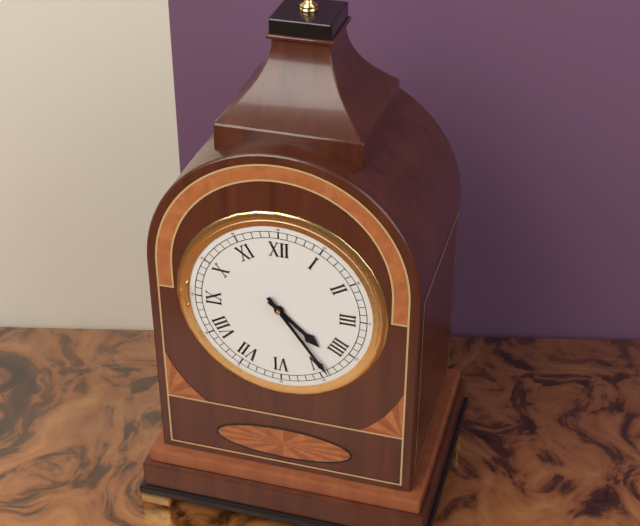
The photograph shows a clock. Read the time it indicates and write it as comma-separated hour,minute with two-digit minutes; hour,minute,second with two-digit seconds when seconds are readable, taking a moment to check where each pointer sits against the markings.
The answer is 4,24
